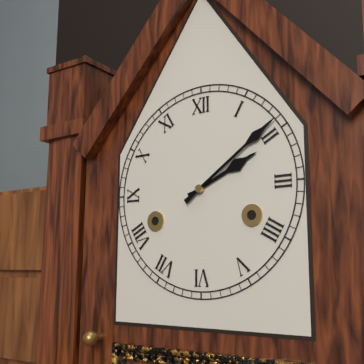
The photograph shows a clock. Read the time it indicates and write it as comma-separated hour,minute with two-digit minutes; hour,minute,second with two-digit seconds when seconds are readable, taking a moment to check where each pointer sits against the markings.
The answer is 2,09
